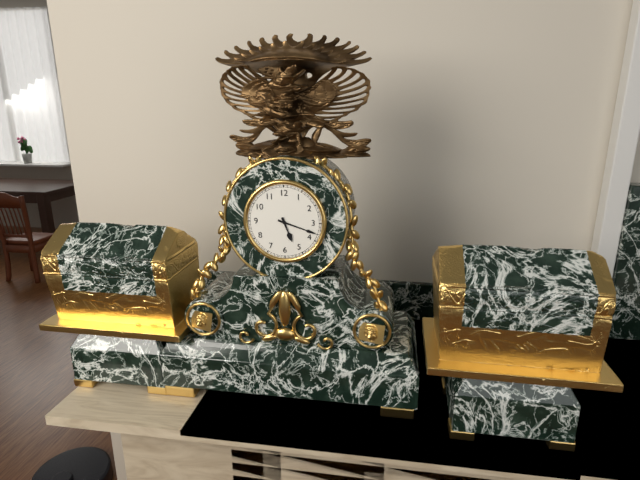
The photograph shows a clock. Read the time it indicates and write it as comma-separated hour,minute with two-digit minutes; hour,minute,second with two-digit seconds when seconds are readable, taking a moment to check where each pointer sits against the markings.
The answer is 5,18
